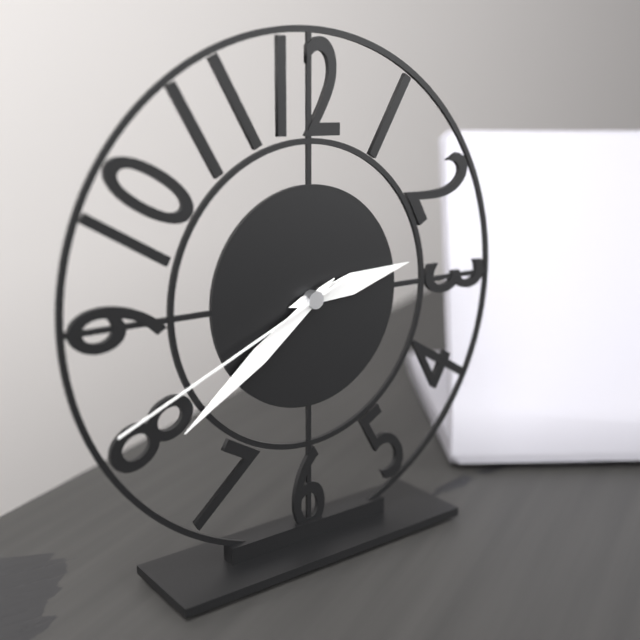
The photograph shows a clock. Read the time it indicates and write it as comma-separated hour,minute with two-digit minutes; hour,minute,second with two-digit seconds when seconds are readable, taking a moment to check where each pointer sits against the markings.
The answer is 2,39,41
